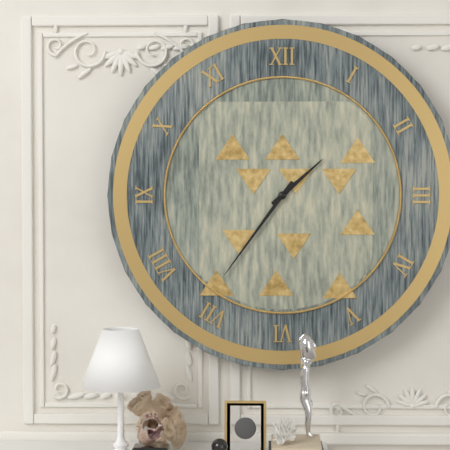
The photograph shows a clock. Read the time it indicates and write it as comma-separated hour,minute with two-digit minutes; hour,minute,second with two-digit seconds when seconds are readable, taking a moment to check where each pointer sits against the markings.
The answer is 1,36
